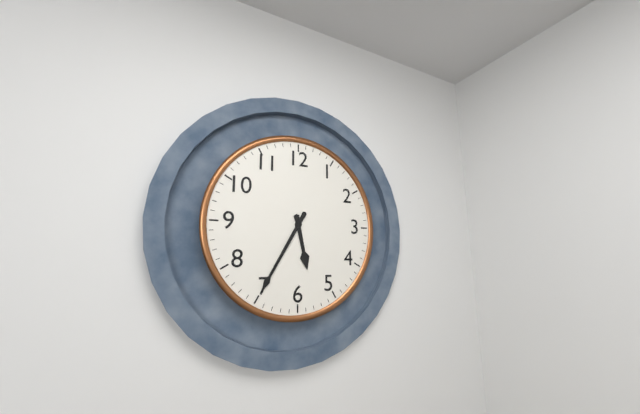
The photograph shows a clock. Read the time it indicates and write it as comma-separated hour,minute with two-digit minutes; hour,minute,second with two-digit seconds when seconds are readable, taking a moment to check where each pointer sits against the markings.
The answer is 5,35
